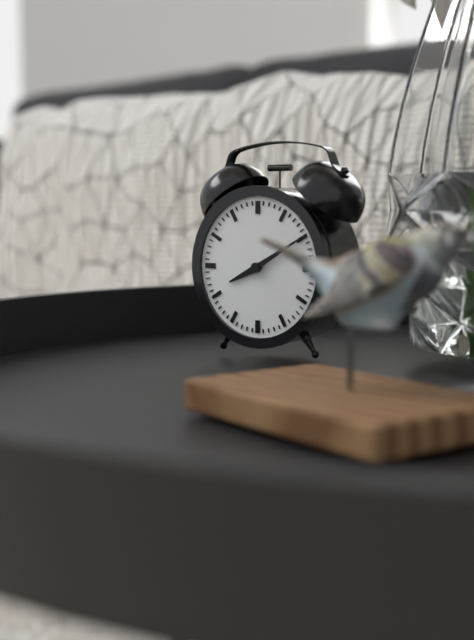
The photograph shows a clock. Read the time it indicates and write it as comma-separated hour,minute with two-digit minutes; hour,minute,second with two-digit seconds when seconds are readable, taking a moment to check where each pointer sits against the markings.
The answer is 8,10
